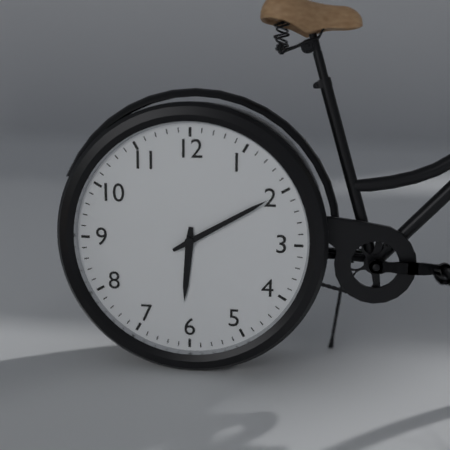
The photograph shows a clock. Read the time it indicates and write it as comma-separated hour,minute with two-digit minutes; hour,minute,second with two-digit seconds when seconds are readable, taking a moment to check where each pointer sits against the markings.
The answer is 6,10
